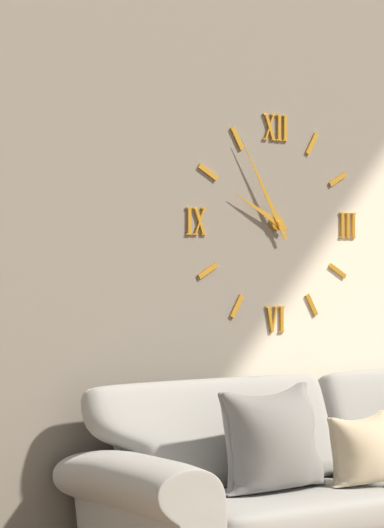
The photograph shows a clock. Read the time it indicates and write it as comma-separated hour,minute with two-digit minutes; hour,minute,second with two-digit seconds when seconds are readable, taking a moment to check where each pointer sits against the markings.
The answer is 9,55
